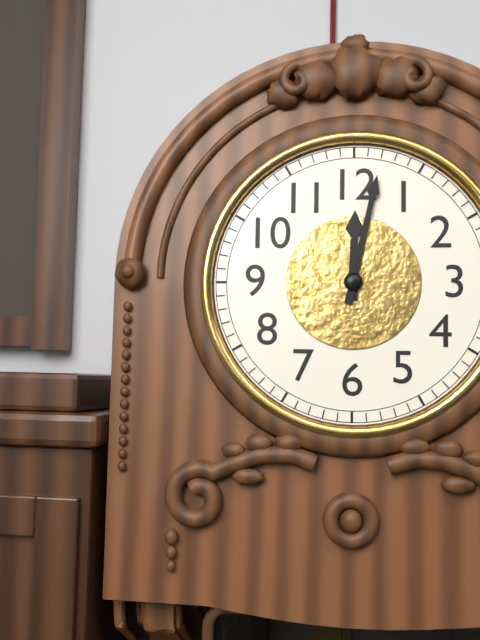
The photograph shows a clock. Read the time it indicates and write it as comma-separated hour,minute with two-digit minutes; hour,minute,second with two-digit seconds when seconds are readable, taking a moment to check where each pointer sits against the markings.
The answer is 12,02
